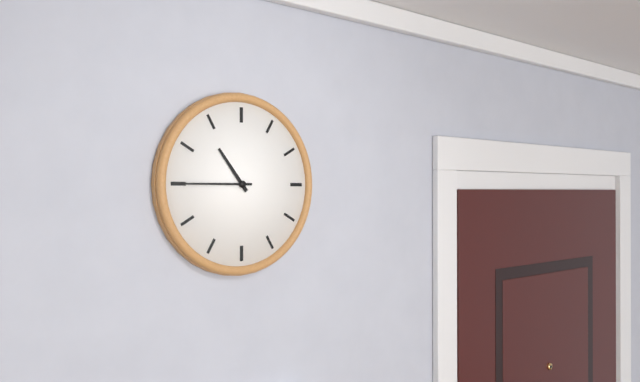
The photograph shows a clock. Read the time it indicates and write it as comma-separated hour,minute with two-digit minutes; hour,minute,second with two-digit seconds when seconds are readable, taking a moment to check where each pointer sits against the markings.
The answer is 10,45
